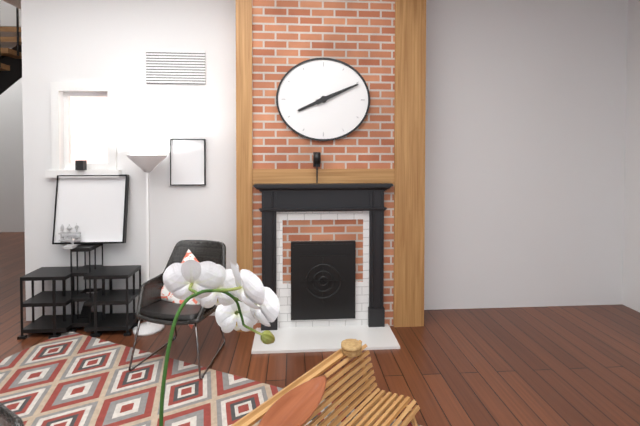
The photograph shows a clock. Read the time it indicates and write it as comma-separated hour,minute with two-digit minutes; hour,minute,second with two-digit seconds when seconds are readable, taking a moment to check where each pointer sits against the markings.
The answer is 8,11
